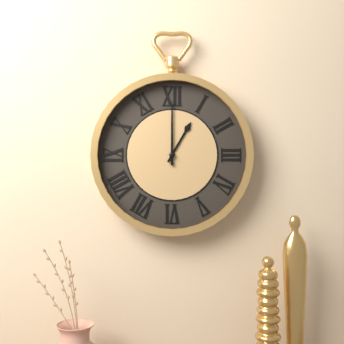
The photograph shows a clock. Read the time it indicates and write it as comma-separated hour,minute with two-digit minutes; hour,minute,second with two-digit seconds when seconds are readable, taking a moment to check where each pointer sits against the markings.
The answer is 1,00
